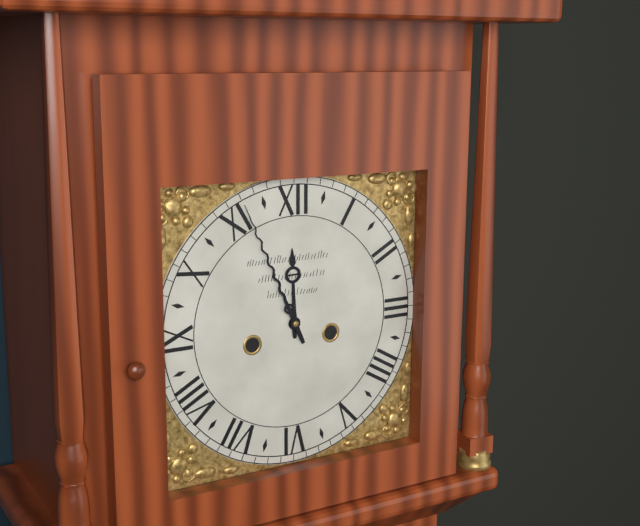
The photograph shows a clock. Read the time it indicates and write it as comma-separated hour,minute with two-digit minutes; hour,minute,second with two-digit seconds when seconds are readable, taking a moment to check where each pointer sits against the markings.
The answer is 11,56
